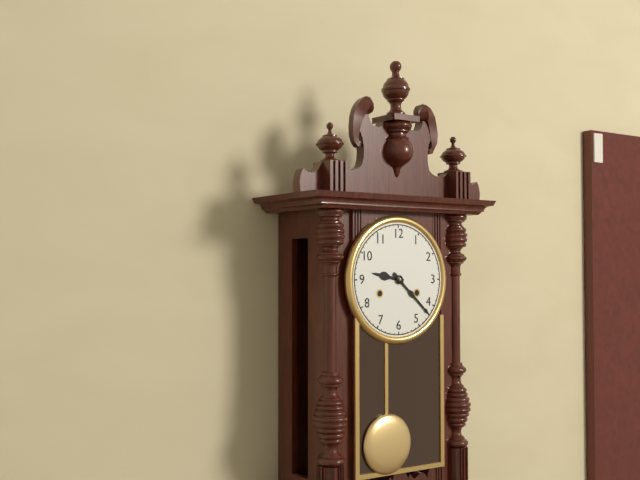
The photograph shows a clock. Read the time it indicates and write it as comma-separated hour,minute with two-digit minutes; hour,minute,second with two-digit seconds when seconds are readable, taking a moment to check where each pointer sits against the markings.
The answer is 9,22
